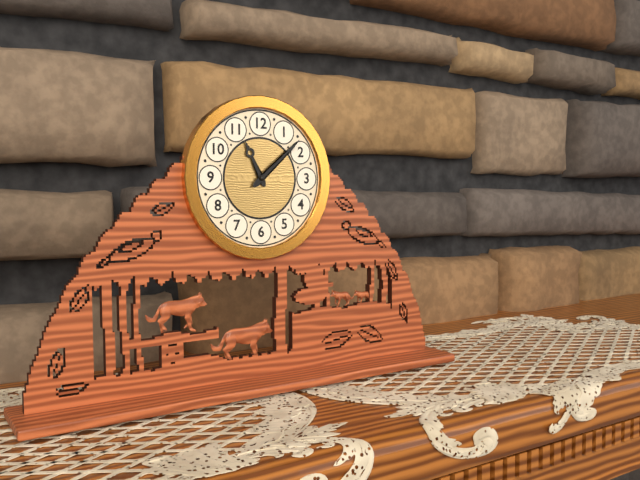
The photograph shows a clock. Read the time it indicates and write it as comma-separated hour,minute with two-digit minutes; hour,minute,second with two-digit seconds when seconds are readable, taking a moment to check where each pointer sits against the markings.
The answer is 11,08
